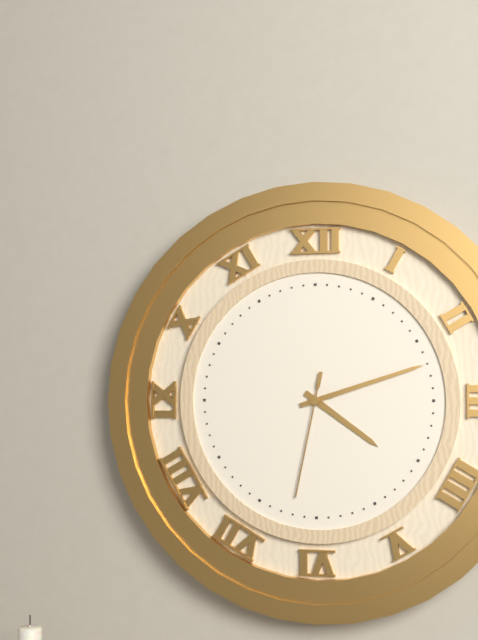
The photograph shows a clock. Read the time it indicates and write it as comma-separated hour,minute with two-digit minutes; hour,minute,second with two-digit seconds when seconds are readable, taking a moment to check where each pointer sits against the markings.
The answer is 4,12,32
